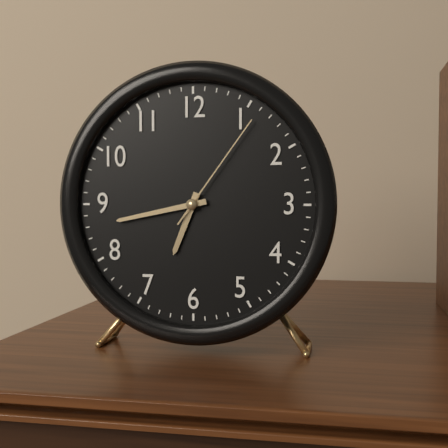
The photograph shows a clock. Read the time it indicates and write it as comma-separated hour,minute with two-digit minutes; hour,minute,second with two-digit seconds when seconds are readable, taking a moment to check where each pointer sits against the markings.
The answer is 6,43,06
